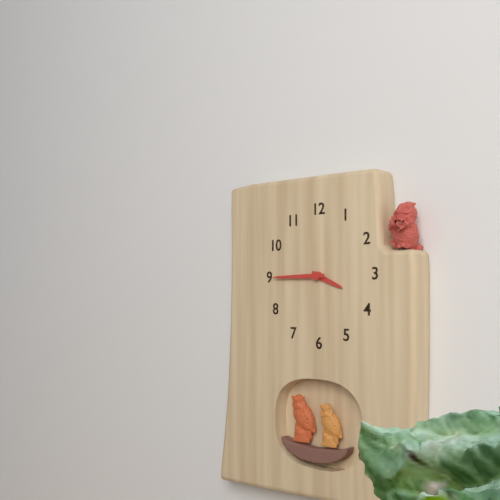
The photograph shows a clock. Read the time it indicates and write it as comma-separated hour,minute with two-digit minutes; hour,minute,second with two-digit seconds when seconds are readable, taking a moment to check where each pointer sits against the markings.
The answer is 3,45
